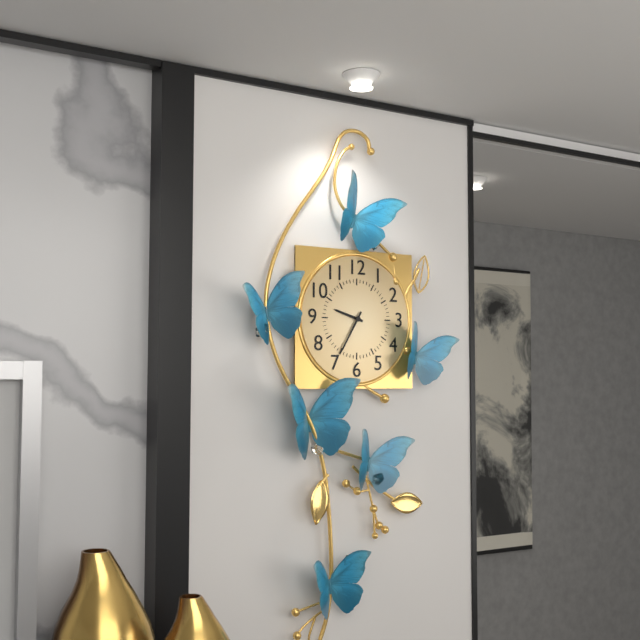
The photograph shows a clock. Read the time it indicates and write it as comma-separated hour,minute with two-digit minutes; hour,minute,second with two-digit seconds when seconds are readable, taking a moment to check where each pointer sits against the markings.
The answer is 9,35
